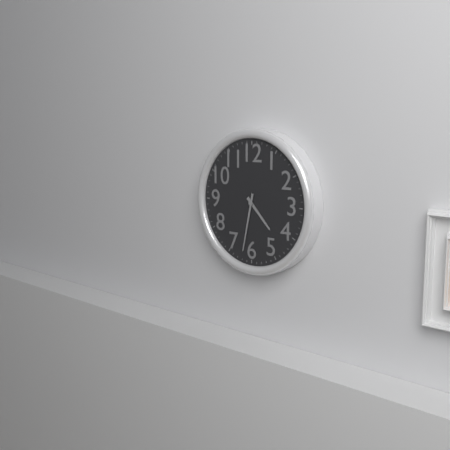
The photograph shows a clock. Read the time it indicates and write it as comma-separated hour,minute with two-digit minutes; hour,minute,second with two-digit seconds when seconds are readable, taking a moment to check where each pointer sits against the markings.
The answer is 4,32
